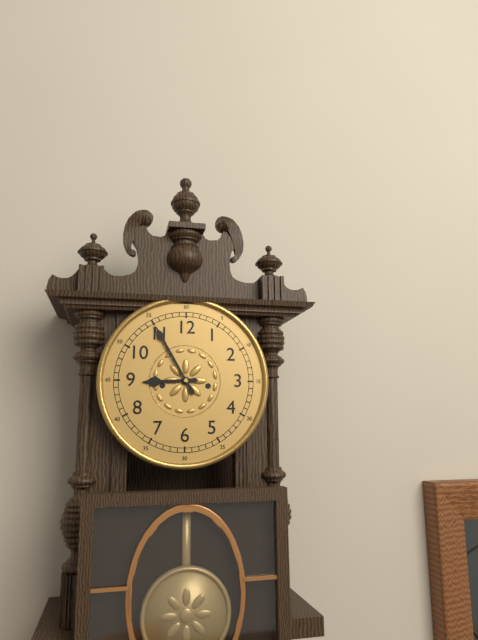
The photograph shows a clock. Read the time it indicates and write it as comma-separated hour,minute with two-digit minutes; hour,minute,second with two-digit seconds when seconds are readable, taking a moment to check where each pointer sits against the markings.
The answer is 8,55
